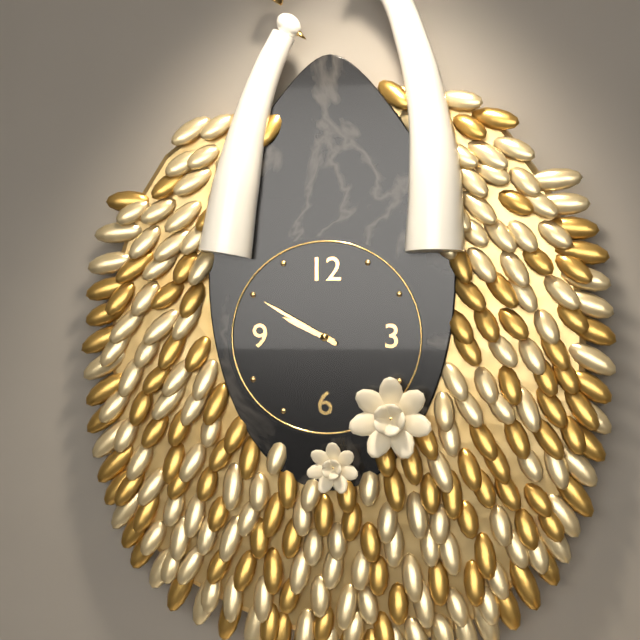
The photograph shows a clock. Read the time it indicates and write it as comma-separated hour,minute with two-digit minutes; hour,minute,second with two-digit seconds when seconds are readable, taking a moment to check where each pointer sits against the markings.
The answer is 9,50
